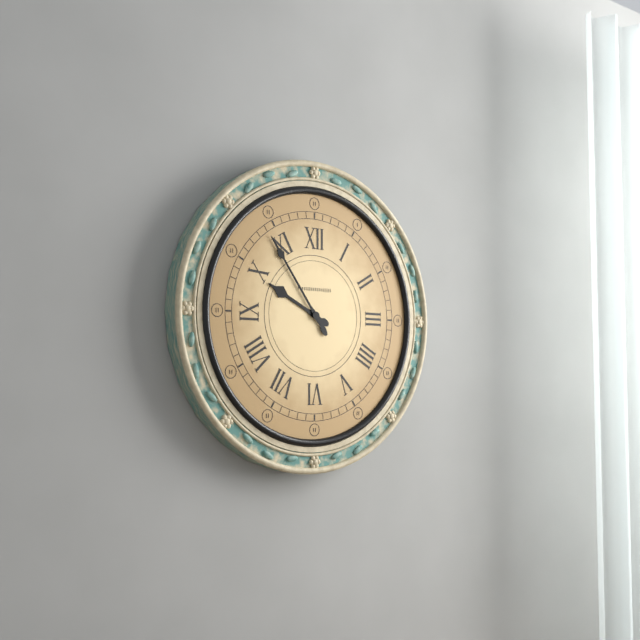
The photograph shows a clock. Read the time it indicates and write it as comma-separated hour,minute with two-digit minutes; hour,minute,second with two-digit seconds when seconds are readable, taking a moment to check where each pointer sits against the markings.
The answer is 9,54
